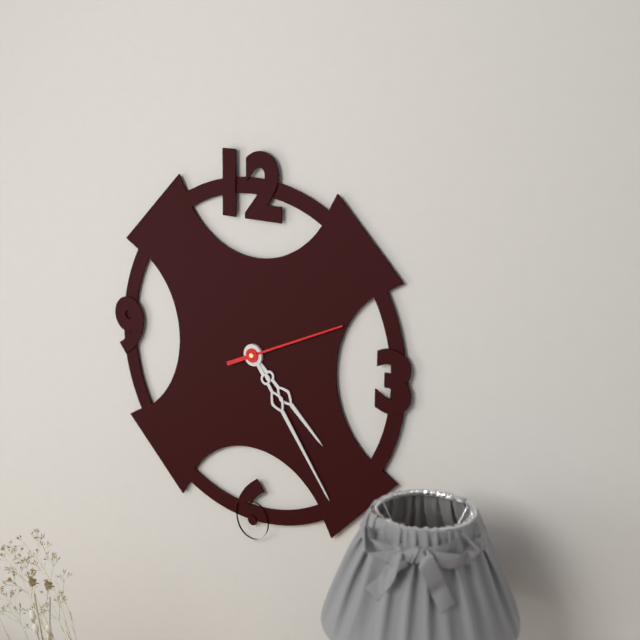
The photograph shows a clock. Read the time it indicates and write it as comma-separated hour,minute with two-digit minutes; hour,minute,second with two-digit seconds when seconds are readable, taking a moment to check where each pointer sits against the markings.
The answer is 4,24,11
